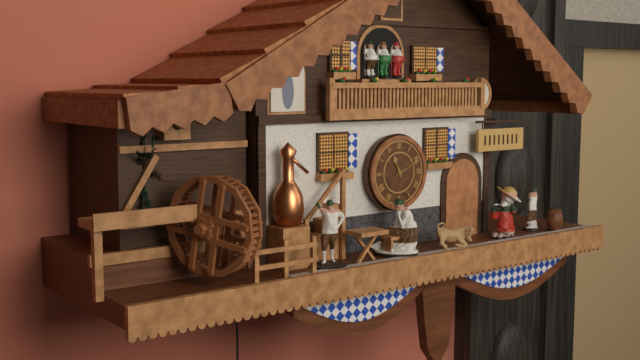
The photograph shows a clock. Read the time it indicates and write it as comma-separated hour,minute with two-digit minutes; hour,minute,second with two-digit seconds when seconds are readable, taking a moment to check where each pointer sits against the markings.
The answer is 11,11
